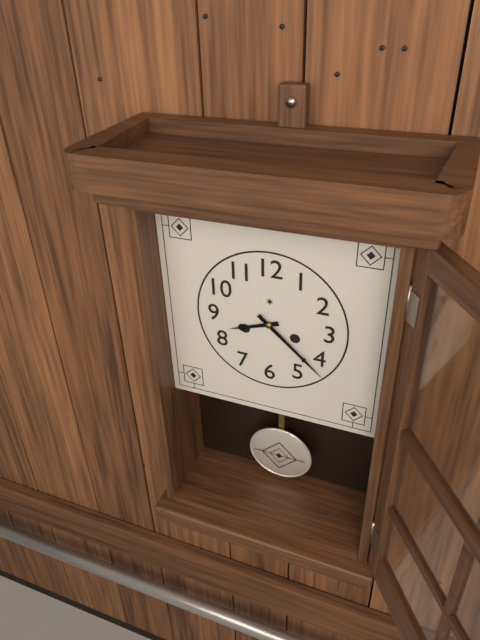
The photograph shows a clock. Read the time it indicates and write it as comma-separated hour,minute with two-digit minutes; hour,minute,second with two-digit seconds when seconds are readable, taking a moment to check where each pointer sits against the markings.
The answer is 8,22
